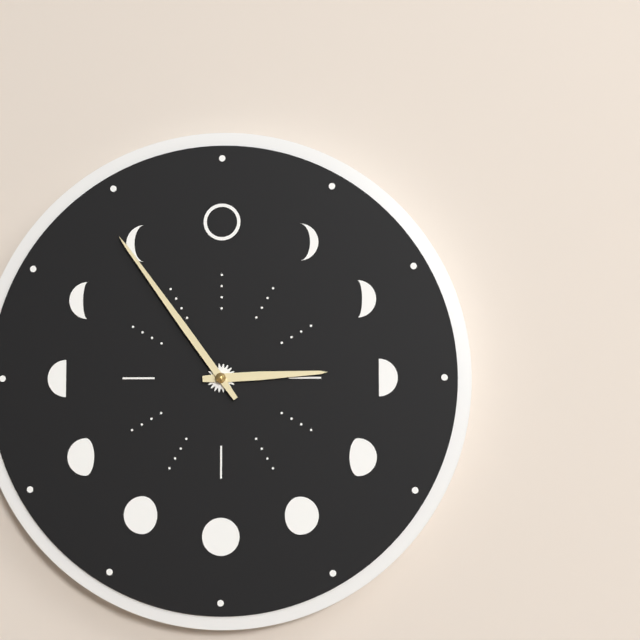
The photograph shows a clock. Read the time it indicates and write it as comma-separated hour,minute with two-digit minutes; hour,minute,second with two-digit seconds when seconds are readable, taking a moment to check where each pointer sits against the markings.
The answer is 2,54
